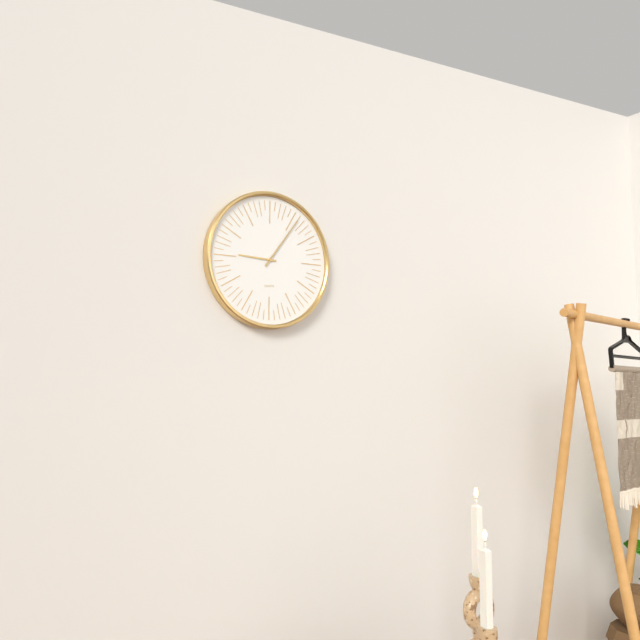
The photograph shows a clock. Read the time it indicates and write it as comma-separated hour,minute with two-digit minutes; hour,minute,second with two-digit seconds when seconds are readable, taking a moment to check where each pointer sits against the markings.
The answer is 9,06
